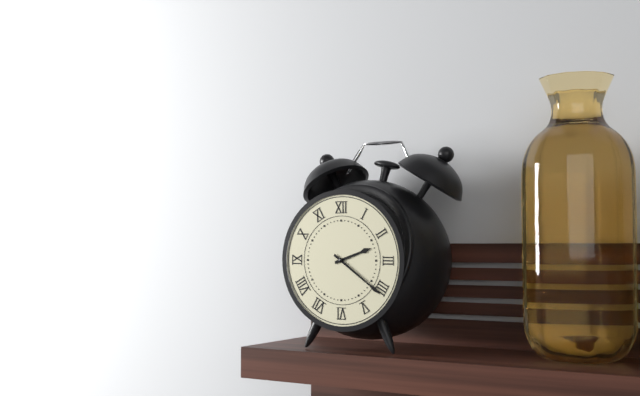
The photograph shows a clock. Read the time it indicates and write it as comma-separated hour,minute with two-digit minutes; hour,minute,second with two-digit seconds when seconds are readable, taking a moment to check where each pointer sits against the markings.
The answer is 2,21
